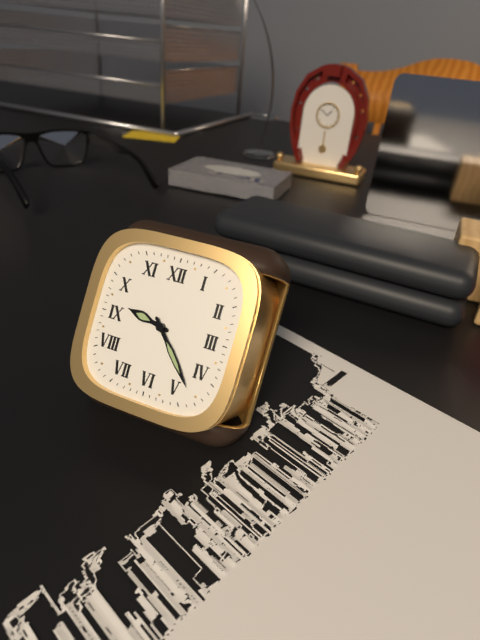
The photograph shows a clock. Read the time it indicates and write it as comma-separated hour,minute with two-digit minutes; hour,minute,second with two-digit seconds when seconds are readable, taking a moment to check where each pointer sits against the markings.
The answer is 9,23
